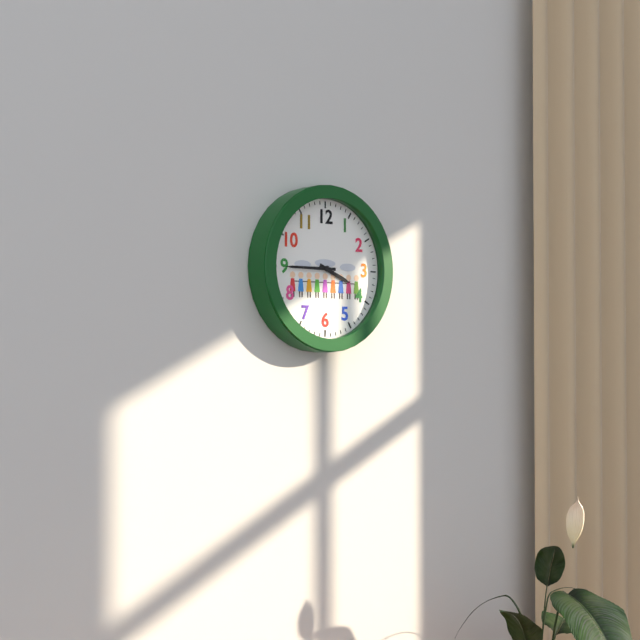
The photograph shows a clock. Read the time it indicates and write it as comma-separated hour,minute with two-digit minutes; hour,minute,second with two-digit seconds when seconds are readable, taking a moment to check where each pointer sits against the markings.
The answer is 3,45
